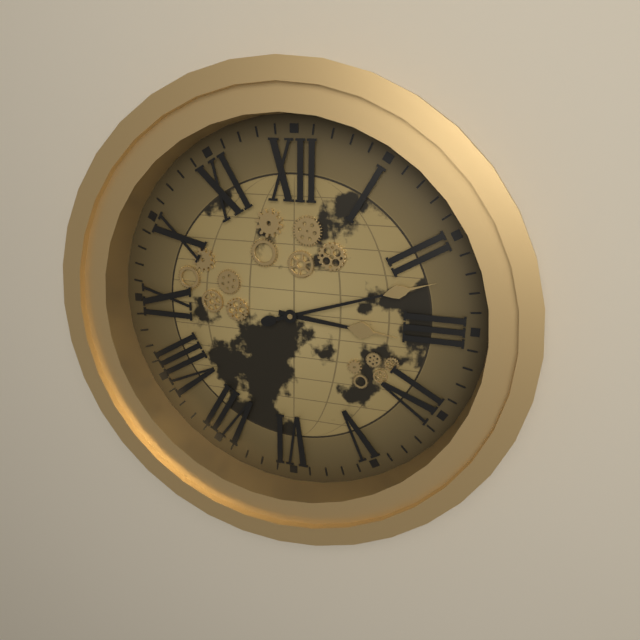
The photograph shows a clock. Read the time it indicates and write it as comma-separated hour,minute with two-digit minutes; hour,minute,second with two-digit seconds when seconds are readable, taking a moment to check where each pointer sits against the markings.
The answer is 3,12
